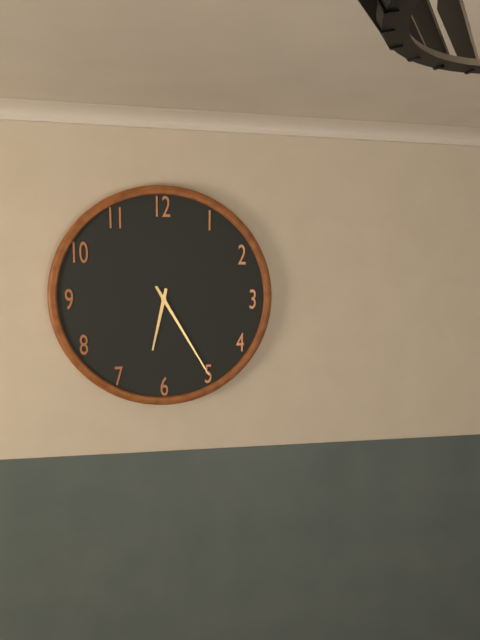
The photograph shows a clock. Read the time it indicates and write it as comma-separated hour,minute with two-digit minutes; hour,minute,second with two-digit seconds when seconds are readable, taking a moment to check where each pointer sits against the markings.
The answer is 6,25
